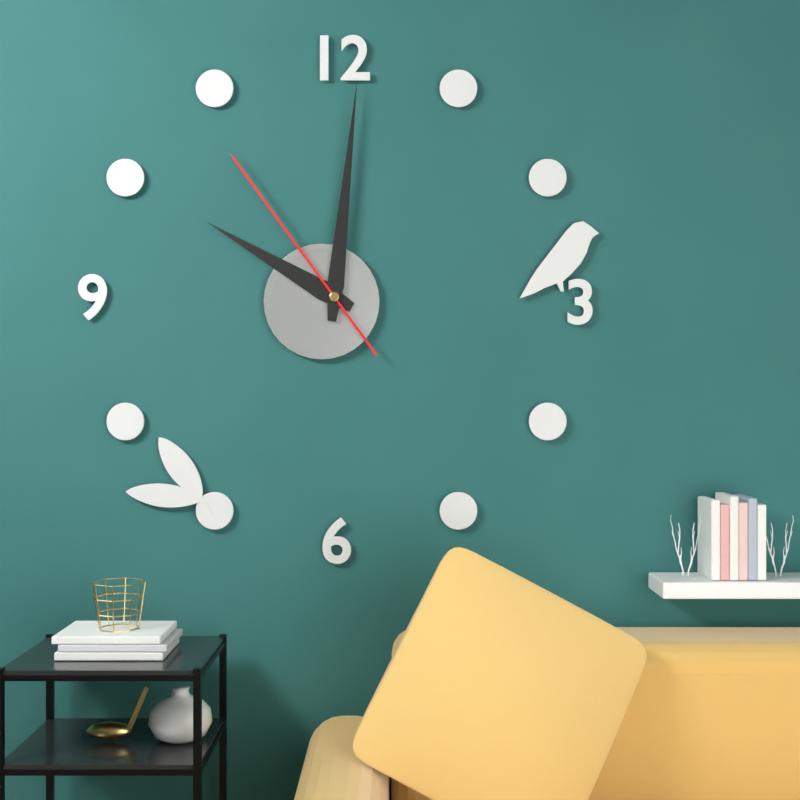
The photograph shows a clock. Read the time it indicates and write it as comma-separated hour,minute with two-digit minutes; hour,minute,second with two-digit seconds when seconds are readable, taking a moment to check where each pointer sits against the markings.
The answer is 10,01,54
